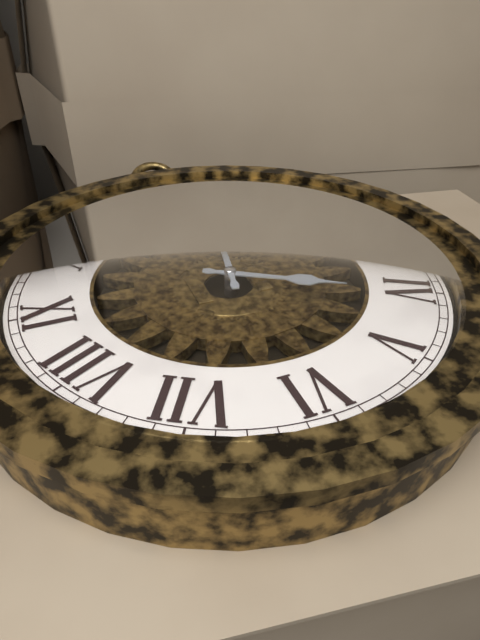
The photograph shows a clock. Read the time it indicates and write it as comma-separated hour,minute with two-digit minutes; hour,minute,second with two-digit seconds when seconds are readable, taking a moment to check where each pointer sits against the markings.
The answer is 4,02
